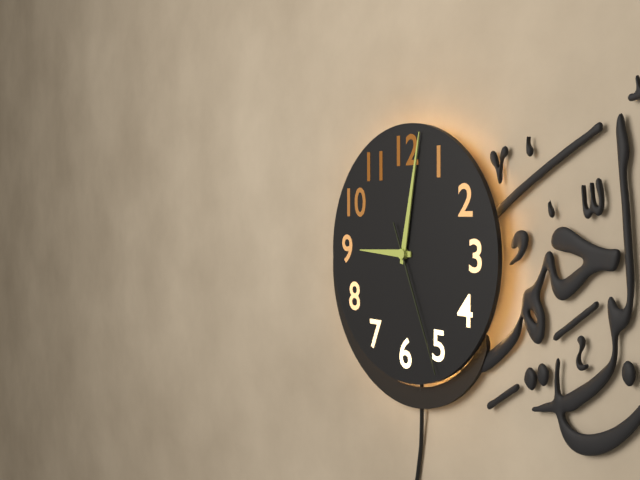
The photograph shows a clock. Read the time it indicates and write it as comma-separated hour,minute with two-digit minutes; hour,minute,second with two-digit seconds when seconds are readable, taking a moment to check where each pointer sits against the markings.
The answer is 9,02,26
